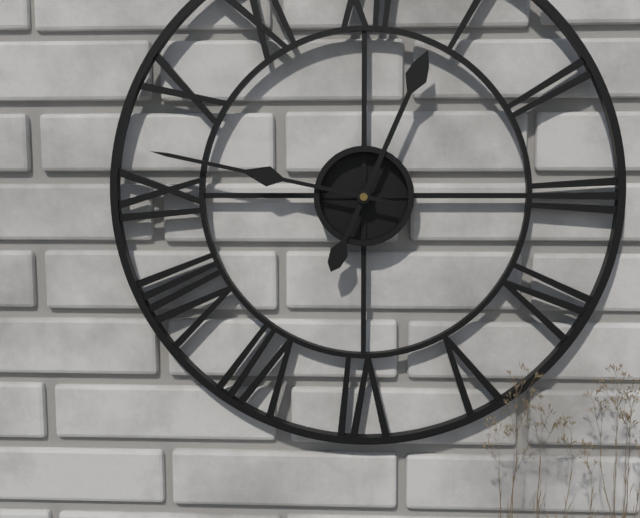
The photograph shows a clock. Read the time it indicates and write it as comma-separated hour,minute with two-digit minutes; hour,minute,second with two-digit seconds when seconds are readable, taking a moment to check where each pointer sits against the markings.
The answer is 12,47
